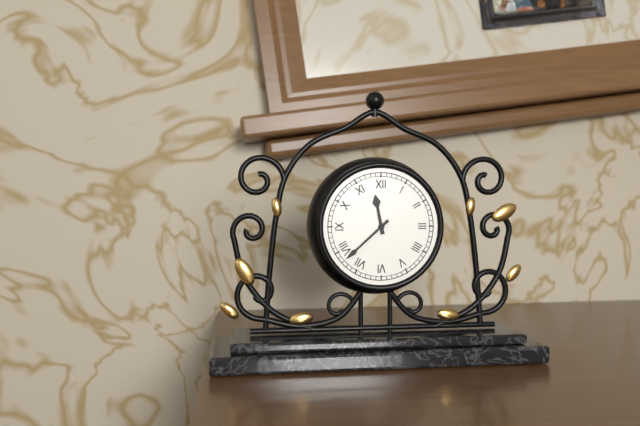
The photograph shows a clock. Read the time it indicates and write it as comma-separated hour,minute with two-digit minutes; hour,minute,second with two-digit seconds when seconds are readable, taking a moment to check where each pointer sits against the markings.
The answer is 11,38
